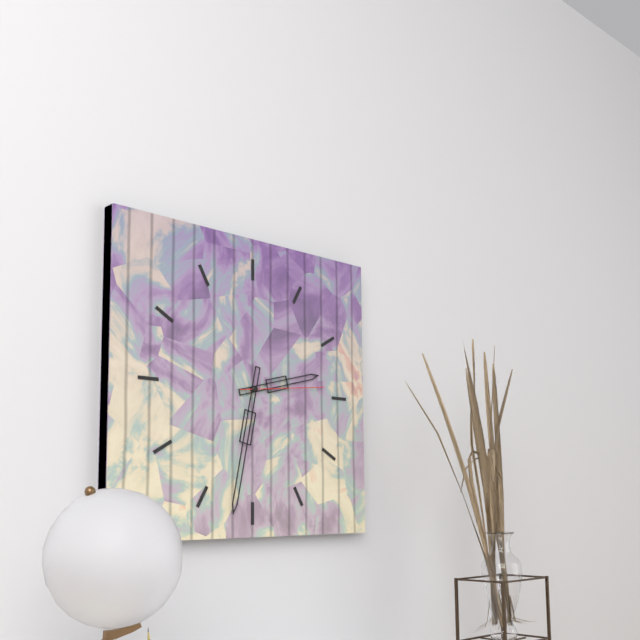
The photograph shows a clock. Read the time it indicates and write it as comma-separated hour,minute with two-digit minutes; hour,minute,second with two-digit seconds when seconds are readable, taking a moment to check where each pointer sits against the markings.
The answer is 2,32,14
